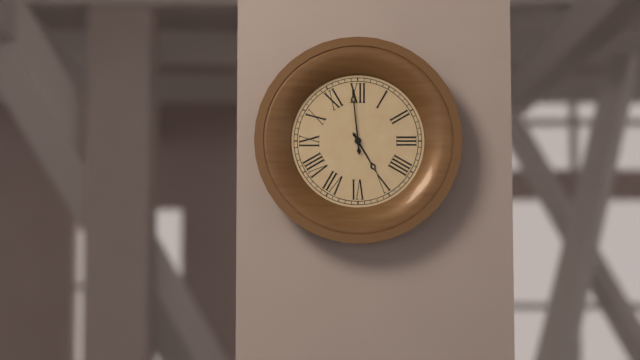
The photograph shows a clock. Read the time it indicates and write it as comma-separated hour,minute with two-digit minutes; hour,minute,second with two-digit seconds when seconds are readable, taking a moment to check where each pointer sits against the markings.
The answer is 4,59
